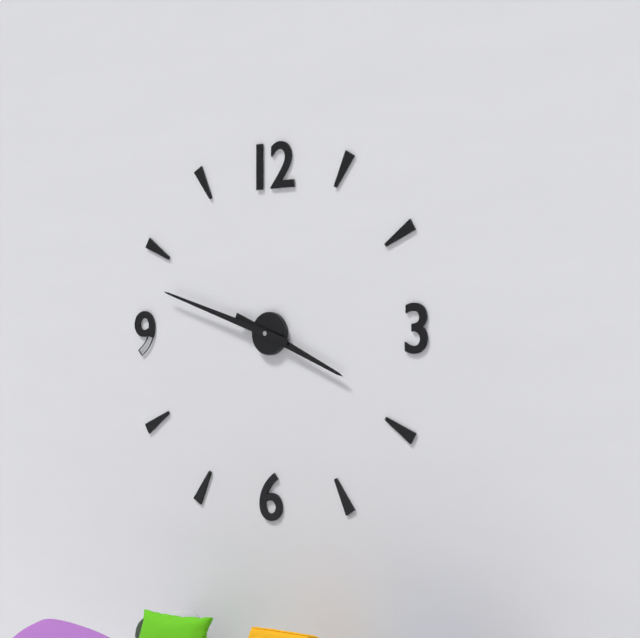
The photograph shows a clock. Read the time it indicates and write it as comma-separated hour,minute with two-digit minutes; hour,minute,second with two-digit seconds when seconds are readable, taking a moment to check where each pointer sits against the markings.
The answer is 3,48
